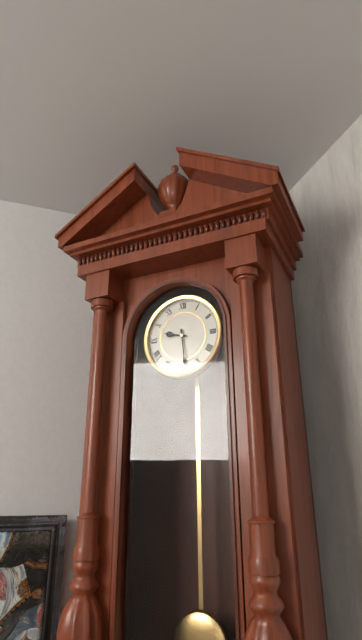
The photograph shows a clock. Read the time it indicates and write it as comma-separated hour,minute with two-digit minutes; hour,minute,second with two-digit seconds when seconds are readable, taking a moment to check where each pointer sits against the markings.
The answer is 9,29
